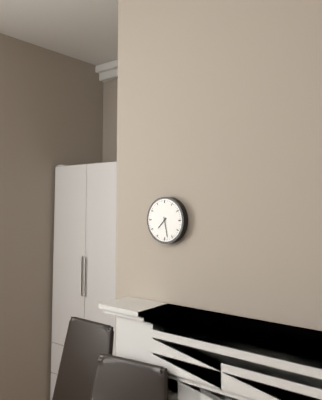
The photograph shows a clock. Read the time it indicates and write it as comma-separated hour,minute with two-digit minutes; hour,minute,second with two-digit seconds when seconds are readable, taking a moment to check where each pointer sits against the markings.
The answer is 7,28
